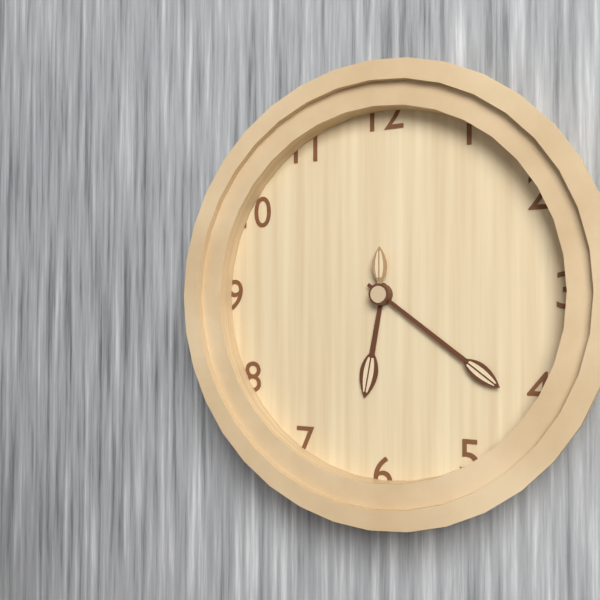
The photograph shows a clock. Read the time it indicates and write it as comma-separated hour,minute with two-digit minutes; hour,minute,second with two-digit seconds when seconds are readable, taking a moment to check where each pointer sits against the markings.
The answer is 6,21,00
